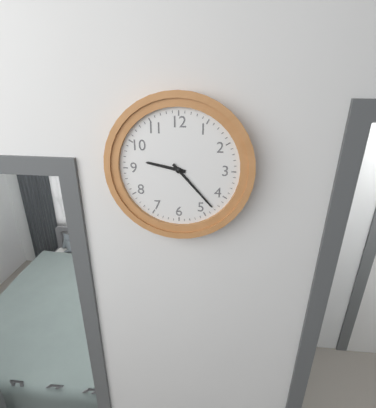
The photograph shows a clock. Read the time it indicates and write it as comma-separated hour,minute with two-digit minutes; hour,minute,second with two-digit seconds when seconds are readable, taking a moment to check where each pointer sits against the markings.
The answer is 9,23
